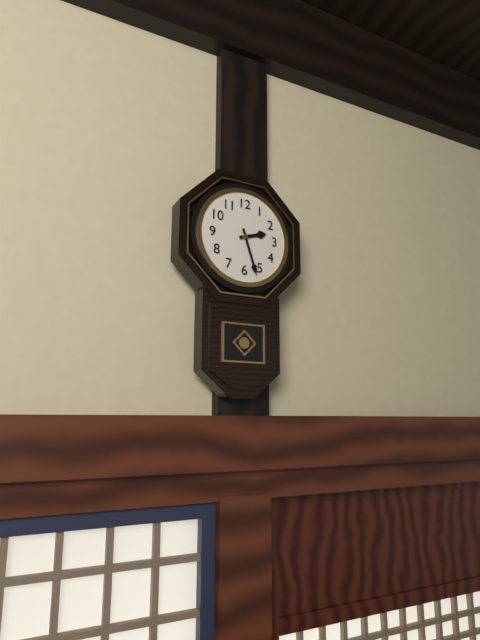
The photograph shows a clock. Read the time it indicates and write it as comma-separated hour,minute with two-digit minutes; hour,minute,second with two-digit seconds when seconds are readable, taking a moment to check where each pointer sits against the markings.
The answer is 2,27
